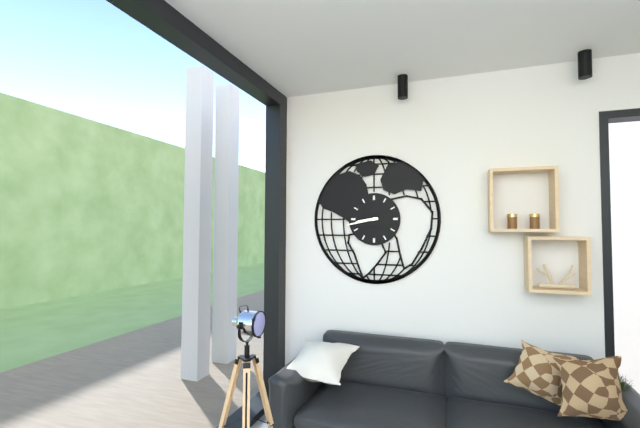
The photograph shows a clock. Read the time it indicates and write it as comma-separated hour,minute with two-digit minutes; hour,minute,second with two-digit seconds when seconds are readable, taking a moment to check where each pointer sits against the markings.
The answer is 8,43
